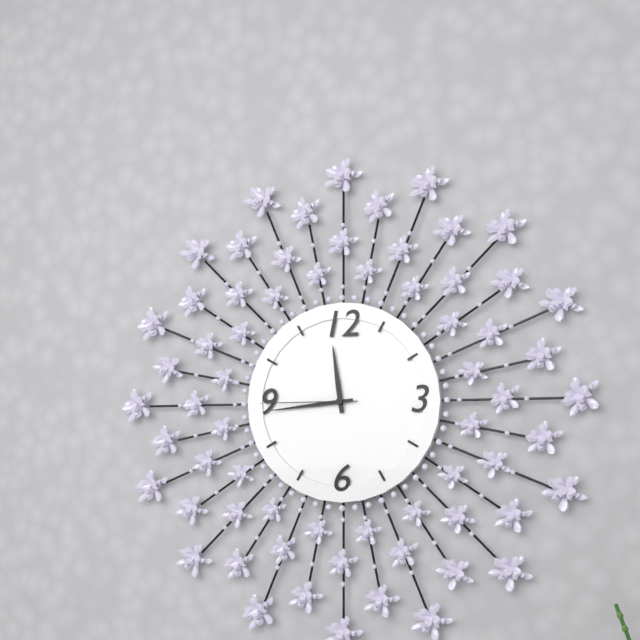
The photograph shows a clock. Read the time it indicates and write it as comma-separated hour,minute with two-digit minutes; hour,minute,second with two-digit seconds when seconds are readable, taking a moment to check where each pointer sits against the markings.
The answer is 11,44,45
